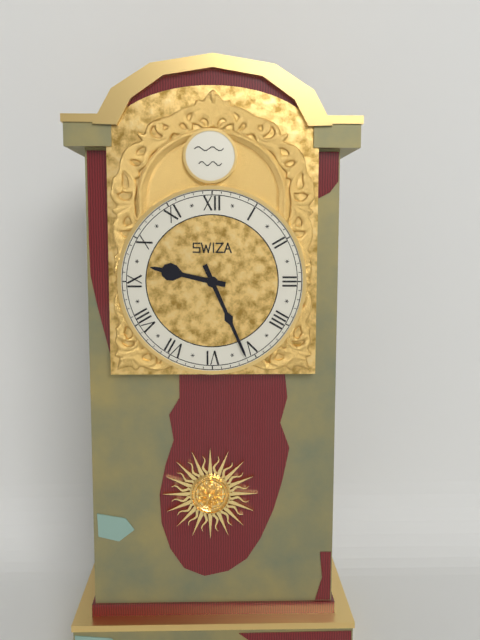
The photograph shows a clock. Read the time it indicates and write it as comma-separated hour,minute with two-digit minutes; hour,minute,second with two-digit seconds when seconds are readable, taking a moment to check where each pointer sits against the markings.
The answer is 9,26
